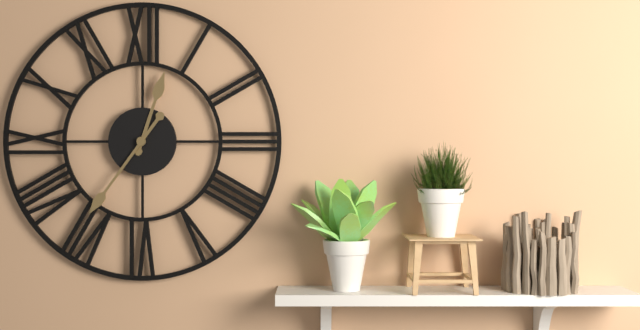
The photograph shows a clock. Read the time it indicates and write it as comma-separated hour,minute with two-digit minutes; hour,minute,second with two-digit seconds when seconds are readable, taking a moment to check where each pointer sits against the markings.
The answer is 12,36
